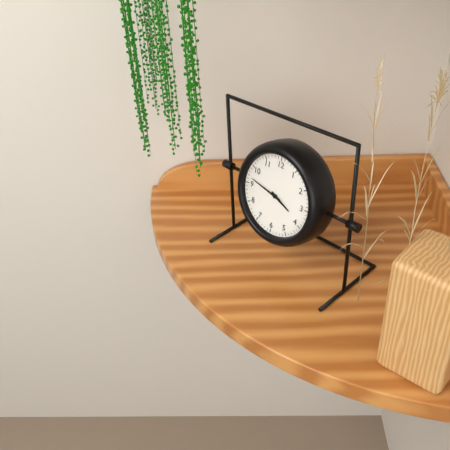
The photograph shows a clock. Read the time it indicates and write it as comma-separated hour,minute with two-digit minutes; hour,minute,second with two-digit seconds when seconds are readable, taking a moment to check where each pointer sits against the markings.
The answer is 3,47
